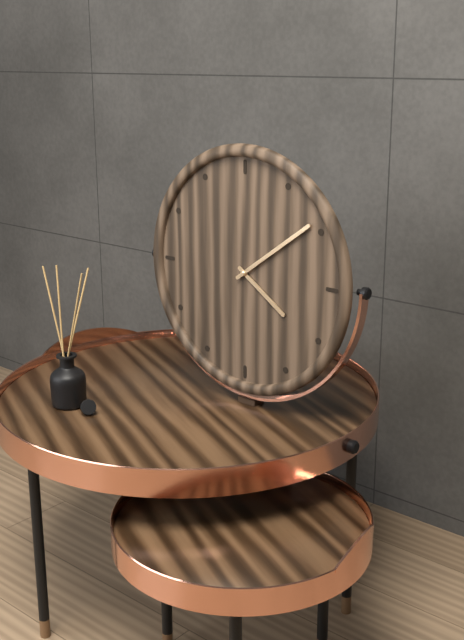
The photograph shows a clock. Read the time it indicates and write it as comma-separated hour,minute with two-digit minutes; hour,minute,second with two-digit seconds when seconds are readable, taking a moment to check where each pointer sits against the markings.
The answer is 4,09
